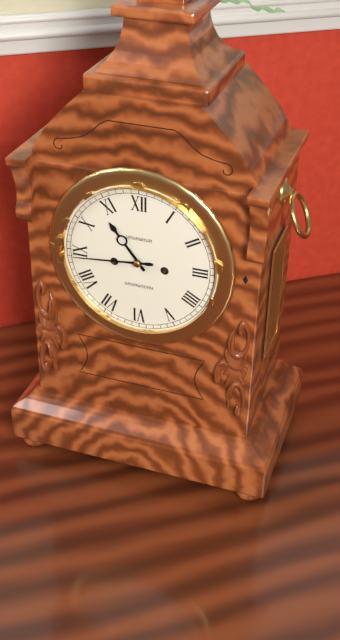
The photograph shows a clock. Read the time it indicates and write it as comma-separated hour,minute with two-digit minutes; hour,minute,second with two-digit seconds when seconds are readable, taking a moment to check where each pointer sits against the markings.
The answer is 10,44
